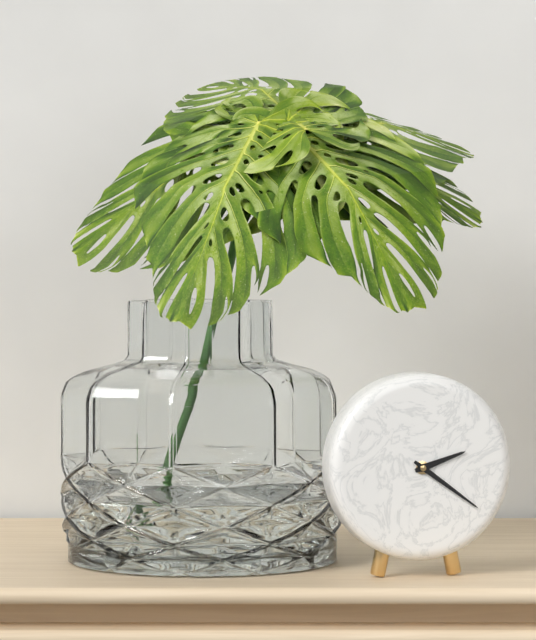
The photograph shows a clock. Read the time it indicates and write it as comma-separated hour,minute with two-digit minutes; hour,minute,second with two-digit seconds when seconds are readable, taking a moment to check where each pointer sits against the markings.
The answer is 2,21
